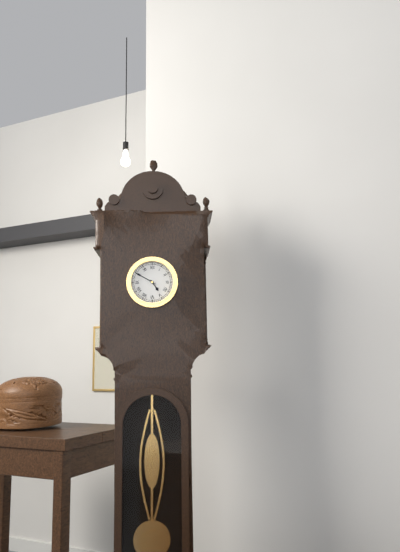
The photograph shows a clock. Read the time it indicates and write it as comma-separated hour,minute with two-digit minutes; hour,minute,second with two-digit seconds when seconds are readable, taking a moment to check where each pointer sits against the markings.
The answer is 4,50
